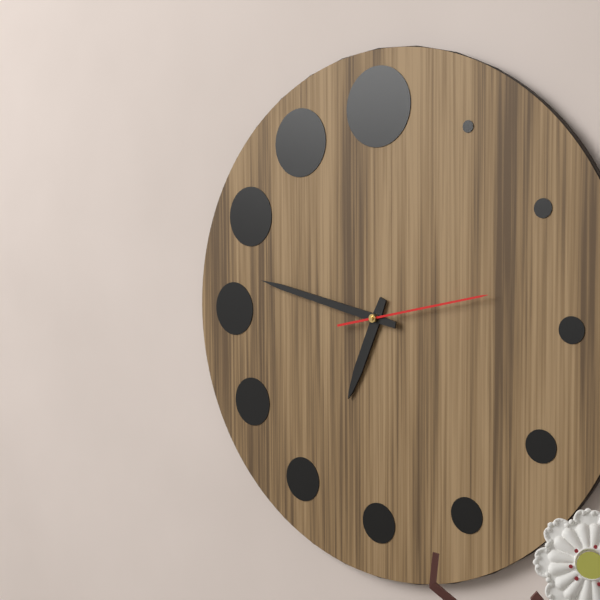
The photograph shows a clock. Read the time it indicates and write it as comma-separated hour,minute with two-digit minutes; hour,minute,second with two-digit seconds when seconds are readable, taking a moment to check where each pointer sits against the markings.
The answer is 6,47,13
